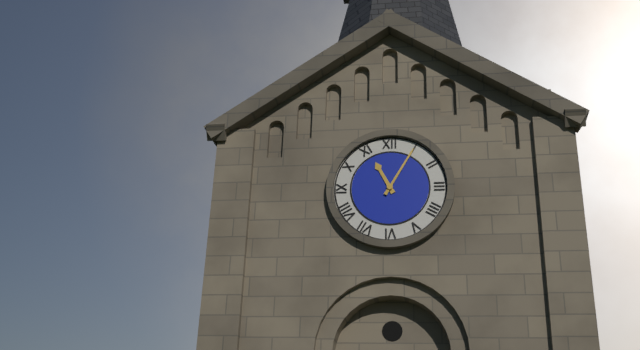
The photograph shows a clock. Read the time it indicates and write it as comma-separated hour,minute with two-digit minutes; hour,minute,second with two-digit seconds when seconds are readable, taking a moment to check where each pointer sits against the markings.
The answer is 11,05
